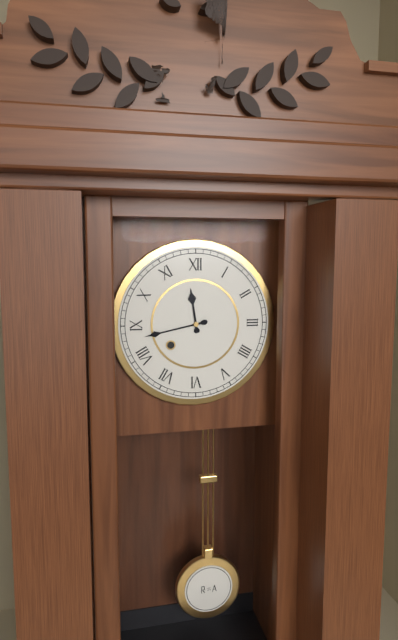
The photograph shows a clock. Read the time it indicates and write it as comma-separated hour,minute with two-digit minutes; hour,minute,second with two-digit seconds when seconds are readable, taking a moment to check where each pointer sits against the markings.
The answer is 11,43
